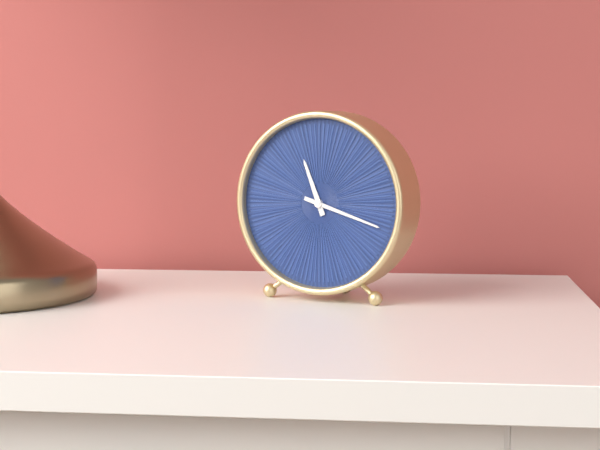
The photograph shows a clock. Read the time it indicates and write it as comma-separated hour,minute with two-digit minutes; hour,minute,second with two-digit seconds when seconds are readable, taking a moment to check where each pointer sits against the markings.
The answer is 11,18
